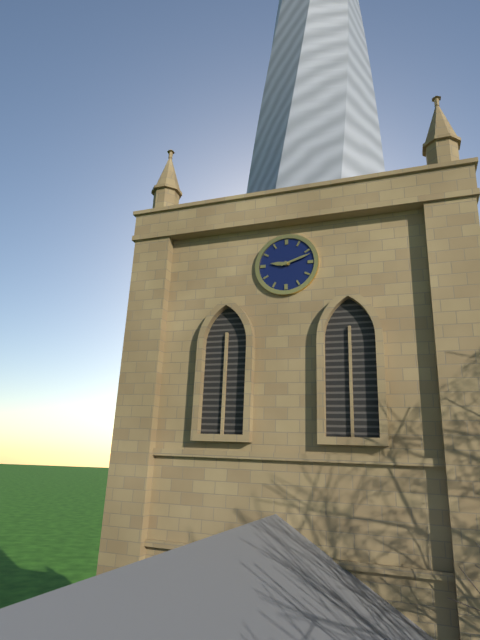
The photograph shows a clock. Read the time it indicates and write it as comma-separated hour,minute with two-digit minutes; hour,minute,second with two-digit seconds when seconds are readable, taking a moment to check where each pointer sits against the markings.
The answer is 9,12
